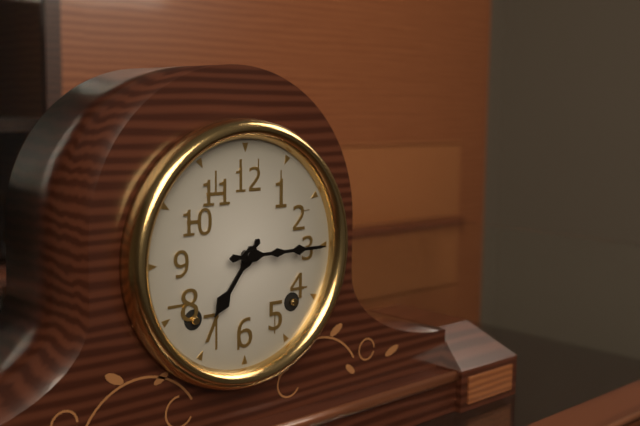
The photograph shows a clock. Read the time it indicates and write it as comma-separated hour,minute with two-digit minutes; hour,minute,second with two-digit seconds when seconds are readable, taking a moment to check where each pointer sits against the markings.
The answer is 7,15
